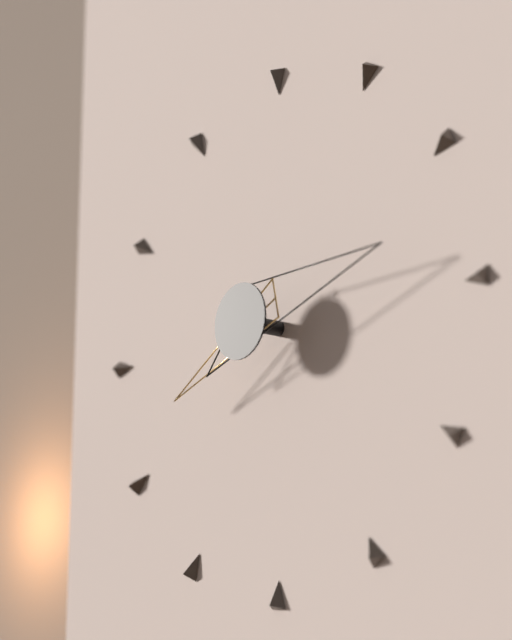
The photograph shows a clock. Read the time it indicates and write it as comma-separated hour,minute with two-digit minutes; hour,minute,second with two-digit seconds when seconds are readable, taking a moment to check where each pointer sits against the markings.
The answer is 8,13
